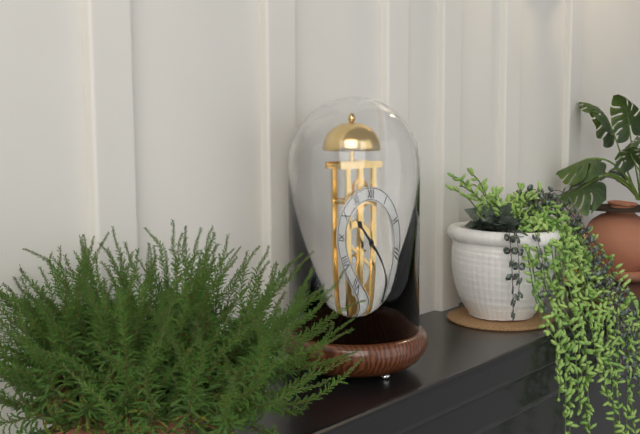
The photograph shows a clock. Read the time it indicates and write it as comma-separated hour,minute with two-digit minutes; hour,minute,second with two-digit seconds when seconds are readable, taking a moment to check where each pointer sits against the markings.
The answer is 10,21
